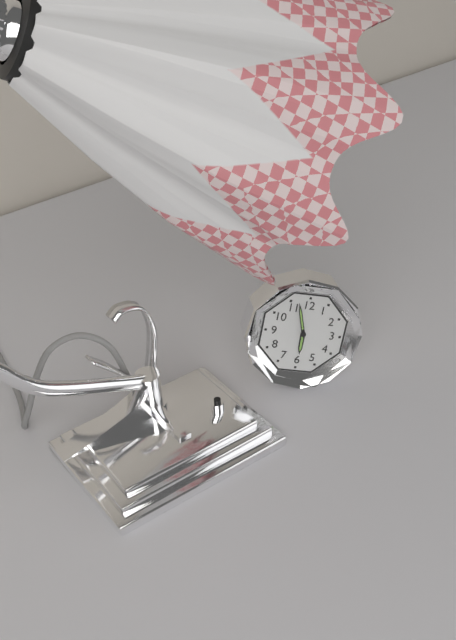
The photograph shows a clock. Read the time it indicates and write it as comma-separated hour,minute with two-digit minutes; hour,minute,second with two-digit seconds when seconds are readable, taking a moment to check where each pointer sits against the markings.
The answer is 5,57
